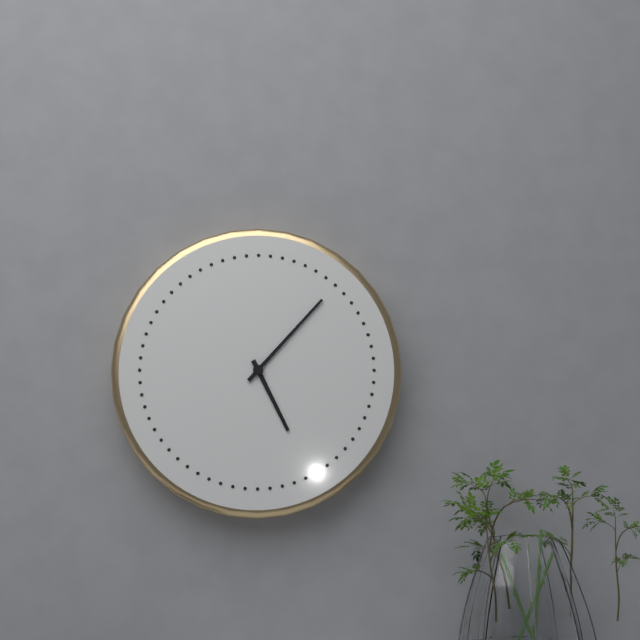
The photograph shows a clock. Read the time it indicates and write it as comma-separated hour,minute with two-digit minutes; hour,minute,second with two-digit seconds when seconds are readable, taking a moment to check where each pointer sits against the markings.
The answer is 5,07
